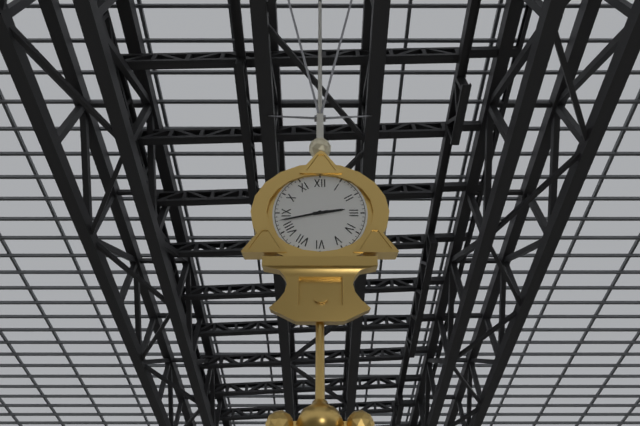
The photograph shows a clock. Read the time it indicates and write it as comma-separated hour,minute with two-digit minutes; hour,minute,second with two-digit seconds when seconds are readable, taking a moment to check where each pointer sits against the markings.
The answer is 2,43
